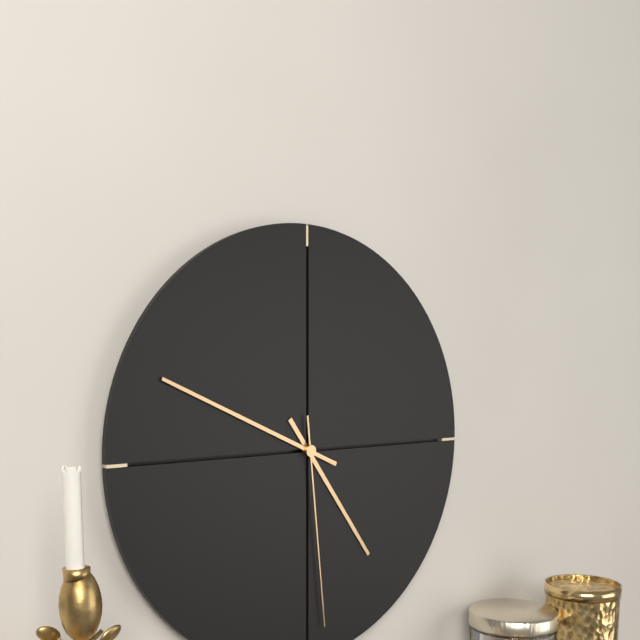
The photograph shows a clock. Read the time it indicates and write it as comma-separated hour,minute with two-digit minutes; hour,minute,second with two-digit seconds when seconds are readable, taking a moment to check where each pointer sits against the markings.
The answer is 4,49,29
